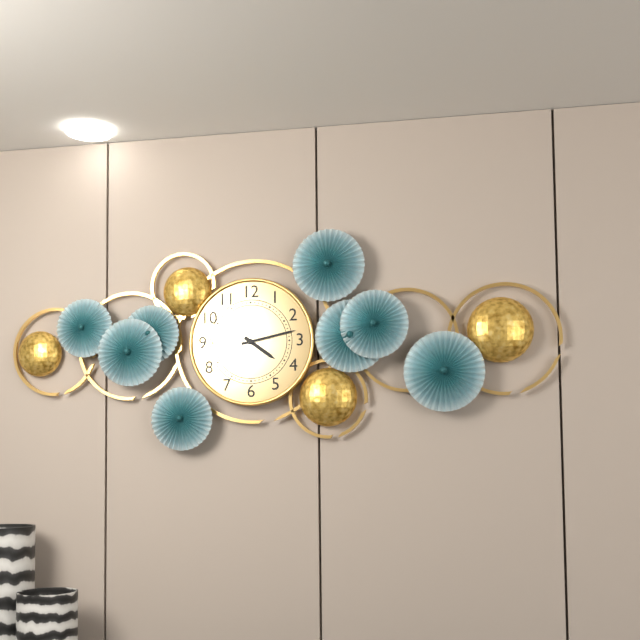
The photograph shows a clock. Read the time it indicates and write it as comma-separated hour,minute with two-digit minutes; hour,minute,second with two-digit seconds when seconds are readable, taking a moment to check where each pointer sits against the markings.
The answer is 4,13
